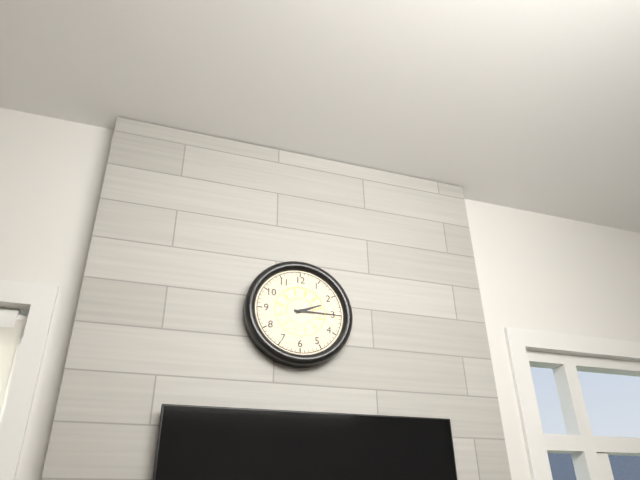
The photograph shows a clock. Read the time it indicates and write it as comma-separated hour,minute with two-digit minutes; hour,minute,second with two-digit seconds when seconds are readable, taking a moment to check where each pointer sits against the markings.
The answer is 2,15
